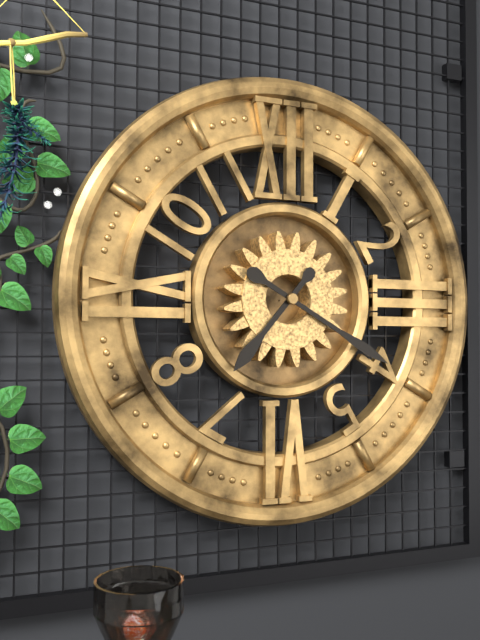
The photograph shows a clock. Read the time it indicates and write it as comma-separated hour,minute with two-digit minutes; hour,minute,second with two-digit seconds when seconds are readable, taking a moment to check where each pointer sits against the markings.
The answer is 7,20
